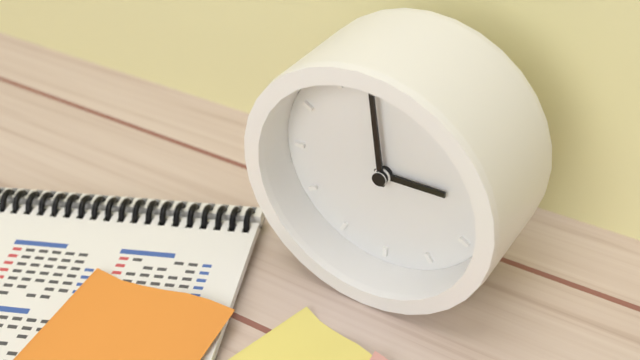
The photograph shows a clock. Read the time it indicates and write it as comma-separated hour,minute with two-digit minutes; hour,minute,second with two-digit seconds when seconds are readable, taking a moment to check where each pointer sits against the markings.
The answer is 2,59
